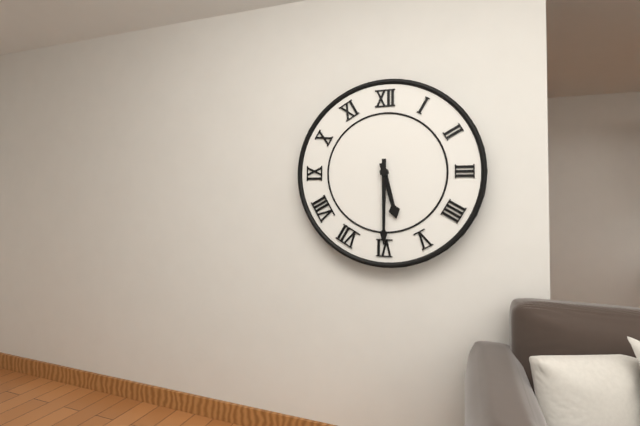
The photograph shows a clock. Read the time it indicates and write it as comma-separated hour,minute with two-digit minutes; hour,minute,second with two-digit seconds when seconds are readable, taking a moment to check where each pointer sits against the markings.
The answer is 5,30
